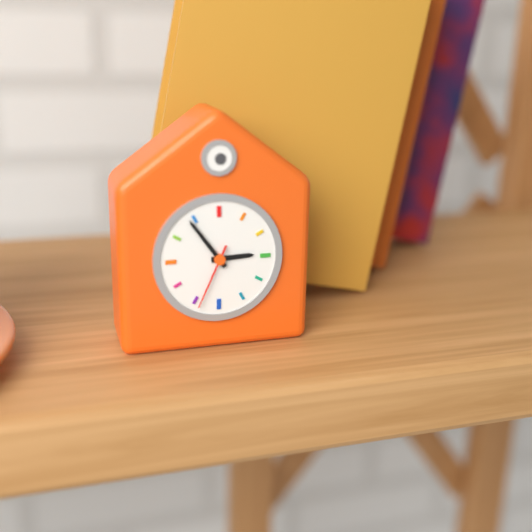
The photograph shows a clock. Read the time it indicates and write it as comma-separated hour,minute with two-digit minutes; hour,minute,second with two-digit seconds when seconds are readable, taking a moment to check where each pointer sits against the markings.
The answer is 2,54,34
